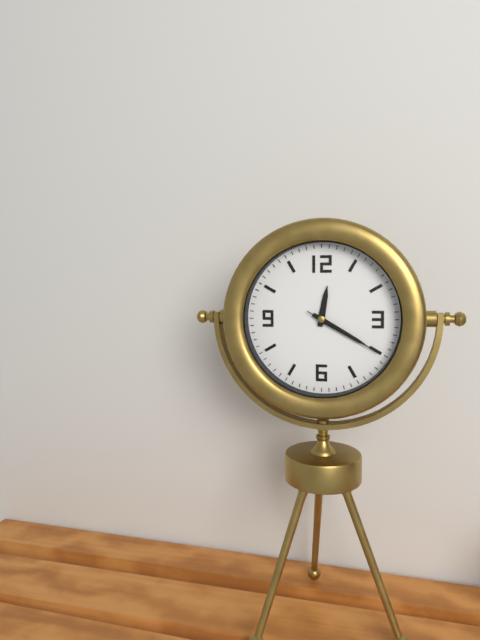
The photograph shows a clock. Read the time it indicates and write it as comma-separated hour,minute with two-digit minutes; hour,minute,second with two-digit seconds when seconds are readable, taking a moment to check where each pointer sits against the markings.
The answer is 12,20,20
